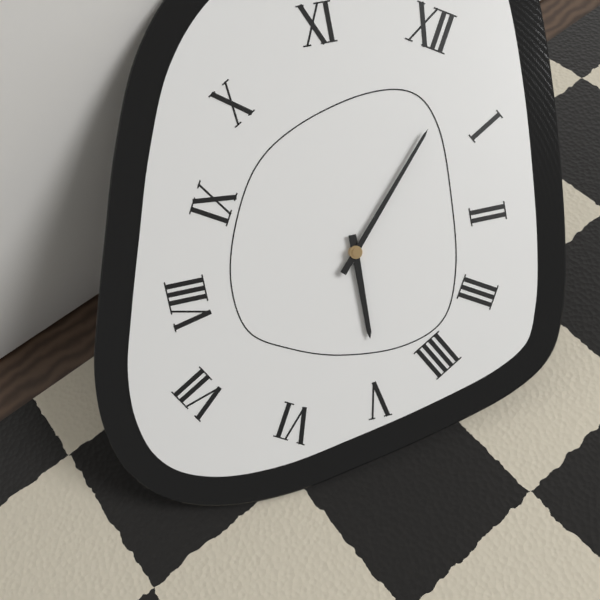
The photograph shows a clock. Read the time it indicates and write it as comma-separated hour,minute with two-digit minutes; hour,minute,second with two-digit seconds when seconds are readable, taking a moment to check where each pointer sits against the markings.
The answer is 5,02
